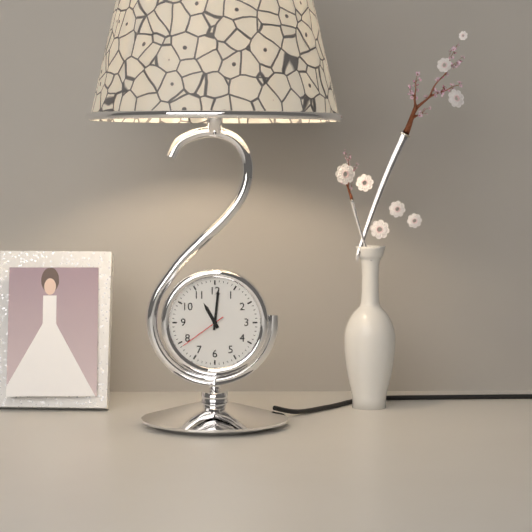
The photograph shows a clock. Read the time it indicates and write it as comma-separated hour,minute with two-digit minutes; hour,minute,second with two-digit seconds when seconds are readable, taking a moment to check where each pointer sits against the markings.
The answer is 11,01
